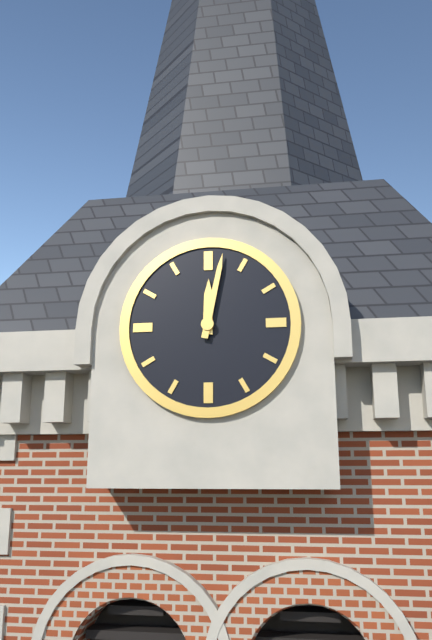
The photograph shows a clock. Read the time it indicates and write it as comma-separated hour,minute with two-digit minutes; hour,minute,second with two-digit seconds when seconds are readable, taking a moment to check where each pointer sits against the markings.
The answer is 12,02
